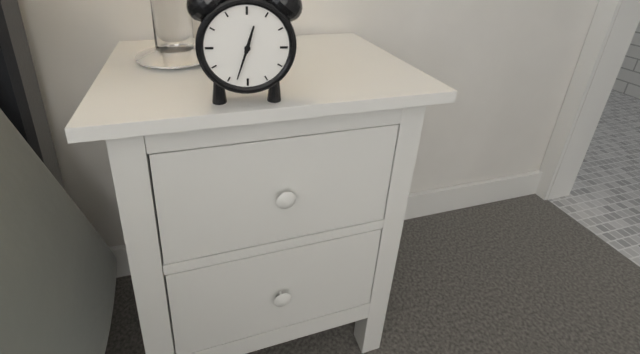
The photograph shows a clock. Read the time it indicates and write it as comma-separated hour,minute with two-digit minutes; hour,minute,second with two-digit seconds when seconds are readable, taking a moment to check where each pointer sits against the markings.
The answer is 12,33
